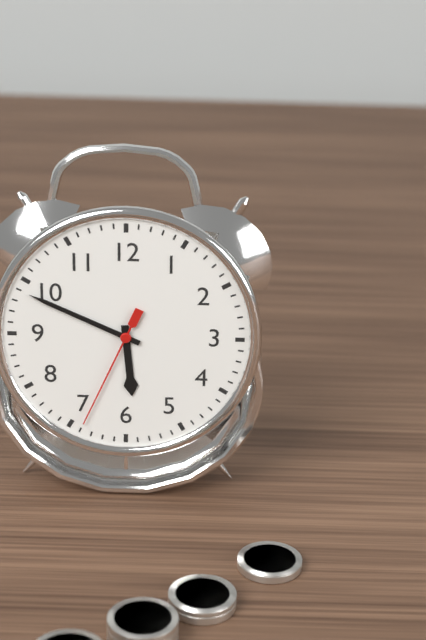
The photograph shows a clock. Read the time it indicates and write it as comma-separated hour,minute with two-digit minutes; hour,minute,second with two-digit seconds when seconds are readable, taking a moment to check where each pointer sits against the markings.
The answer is 5,49,34
